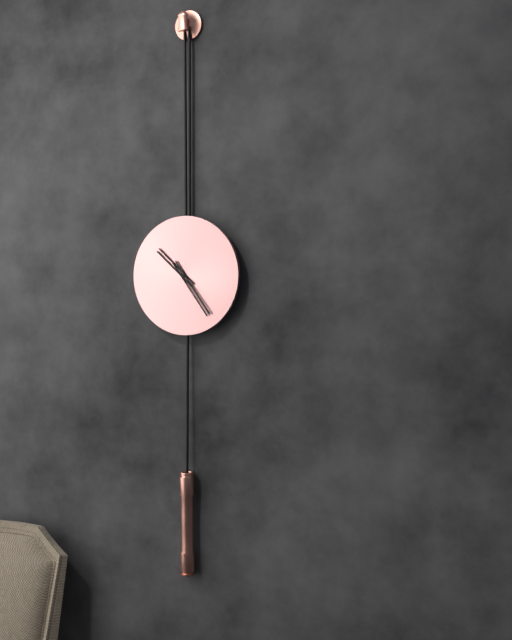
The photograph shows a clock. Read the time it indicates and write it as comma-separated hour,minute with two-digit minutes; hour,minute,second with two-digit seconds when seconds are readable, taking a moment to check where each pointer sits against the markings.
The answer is 10,24
